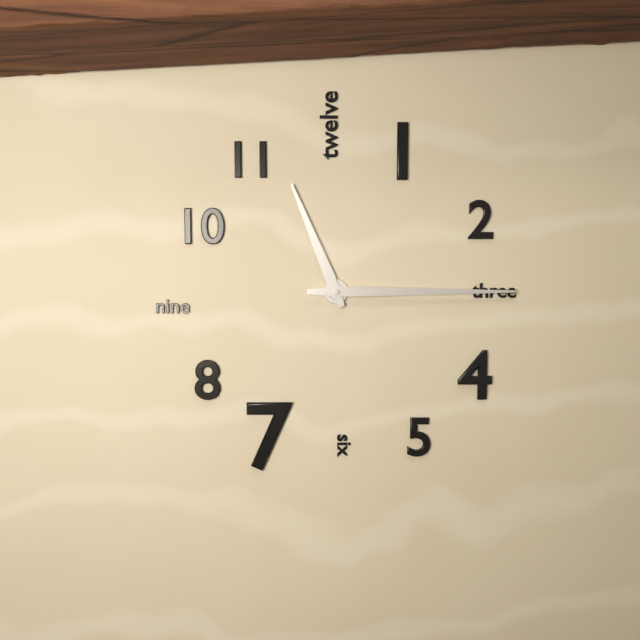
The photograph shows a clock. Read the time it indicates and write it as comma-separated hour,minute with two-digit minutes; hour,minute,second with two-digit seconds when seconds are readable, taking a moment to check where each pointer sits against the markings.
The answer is 11,15
